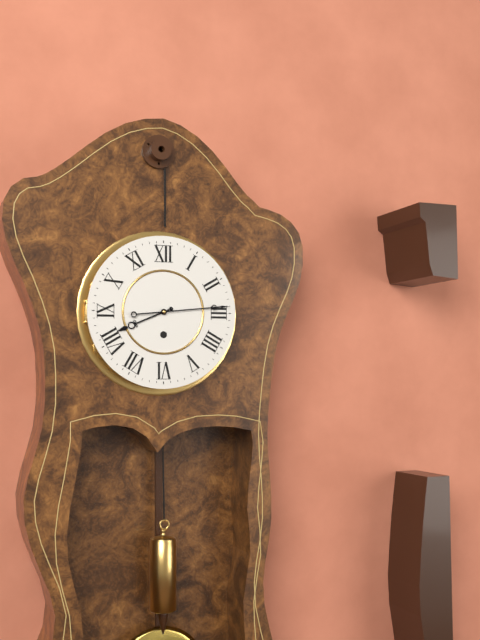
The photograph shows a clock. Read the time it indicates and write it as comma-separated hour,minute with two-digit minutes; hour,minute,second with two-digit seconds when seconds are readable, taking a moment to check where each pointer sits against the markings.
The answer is 8,14
